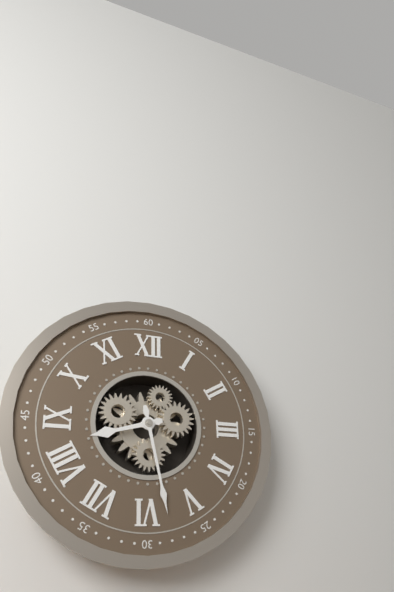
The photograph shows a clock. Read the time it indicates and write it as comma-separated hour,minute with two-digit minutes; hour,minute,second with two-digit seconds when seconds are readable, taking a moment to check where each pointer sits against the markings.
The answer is 8,28
